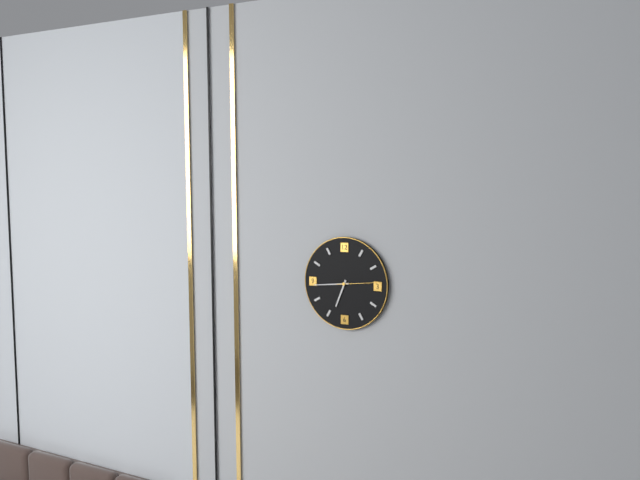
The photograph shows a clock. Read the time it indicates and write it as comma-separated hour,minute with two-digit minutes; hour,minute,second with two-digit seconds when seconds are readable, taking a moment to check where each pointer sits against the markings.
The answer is 6,44
